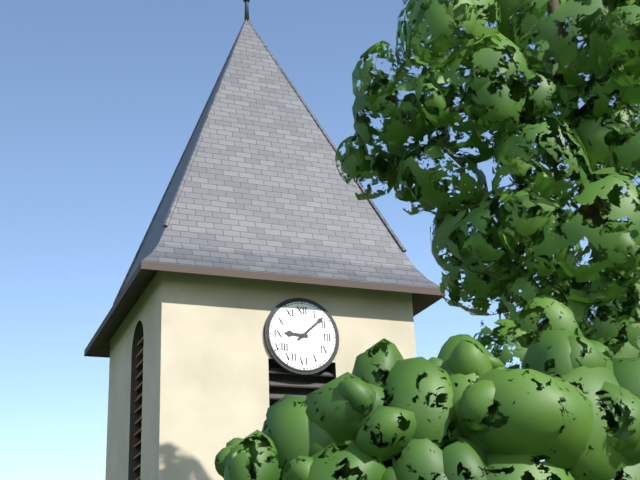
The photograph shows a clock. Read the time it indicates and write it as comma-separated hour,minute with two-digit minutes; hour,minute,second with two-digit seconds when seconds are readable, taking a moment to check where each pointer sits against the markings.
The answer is 9,08
